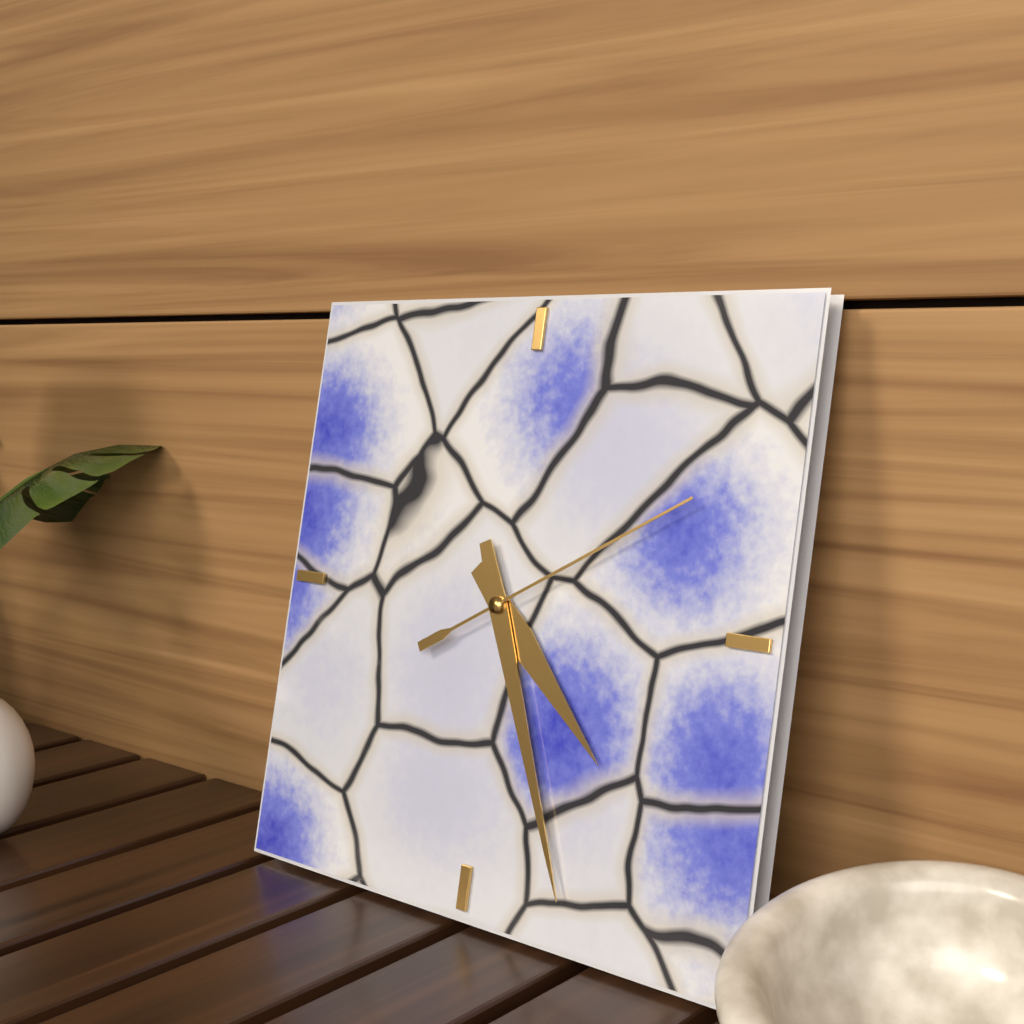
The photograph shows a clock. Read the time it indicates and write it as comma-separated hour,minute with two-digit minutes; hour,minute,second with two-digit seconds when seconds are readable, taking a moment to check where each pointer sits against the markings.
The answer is 4,26,10
